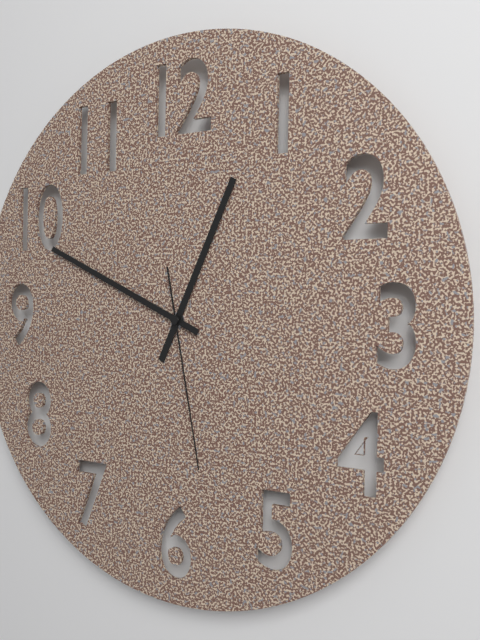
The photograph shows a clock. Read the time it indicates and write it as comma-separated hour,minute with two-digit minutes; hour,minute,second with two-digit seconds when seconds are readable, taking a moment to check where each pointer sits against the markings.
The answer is 12,49,28
